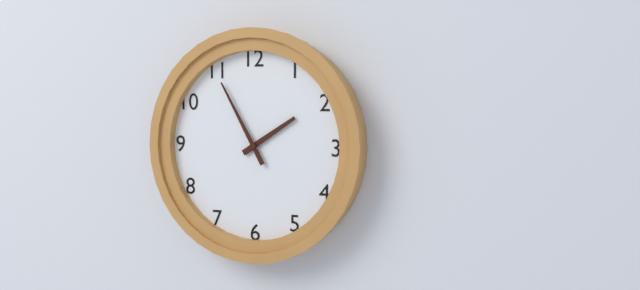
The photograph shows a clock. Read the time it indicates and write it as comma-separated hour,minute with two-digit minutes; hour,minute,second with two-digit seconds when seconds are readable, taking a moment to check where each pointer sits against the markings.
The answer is 1,55
